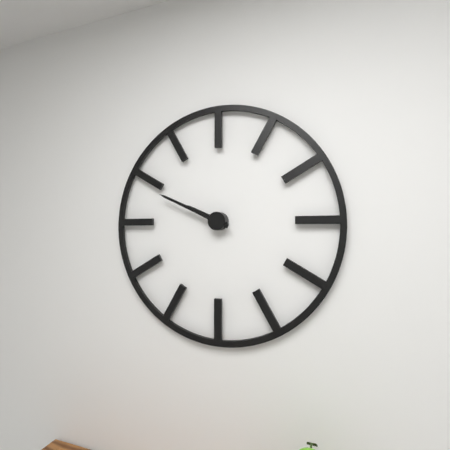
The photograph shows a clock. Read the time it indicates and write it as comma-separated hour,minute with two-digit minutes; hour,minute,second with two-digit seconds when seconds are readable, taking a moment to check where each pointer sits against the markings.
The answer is 9,49
